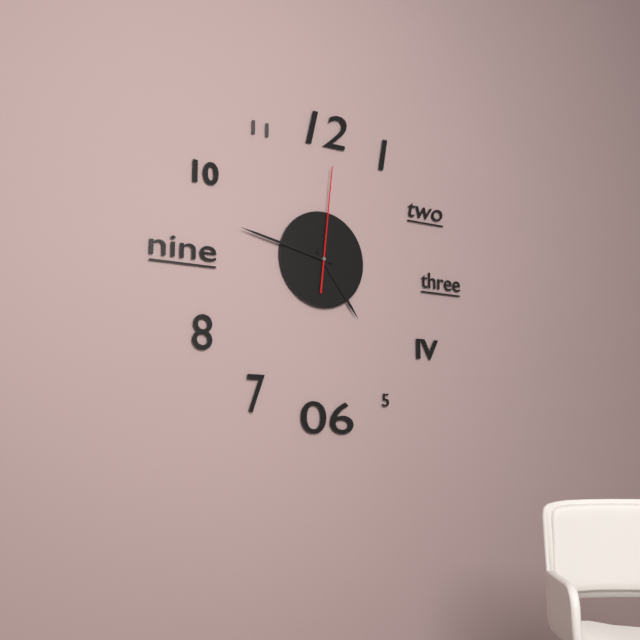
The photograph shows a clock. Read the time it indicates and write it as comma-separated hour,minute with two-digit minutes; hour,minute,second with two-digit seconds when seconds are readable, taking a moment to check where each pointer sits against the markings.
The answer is 4,47,01
